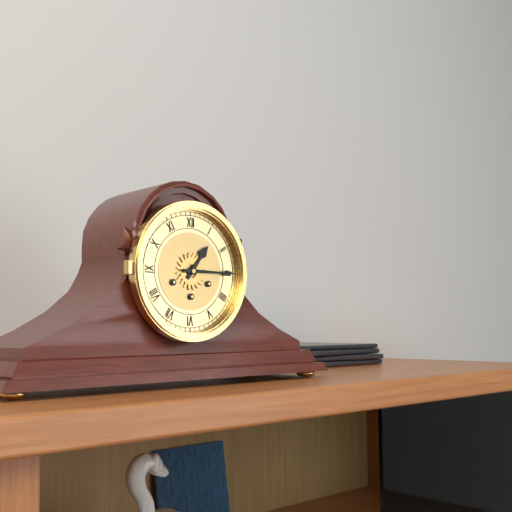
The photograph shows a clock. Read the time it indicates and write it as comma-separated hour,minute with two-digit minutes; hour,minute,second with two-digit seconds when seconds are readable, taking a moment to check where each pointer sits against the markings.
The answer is 1,15
